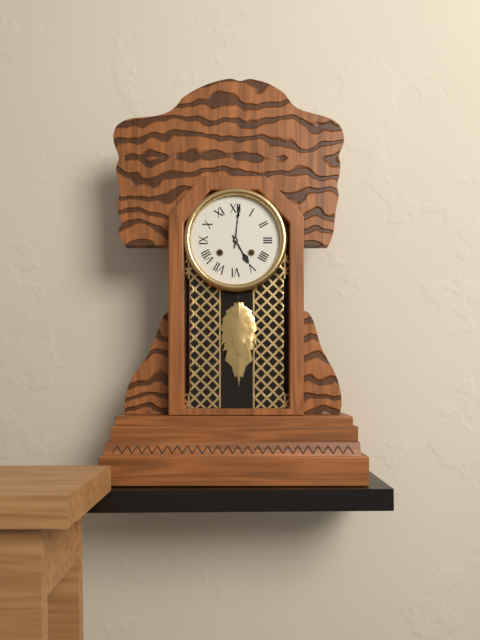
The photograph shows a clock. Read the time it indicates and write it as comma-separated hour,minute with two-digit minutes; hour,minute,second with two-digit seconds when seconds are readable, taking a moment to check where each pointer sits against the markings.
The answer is 5,01
